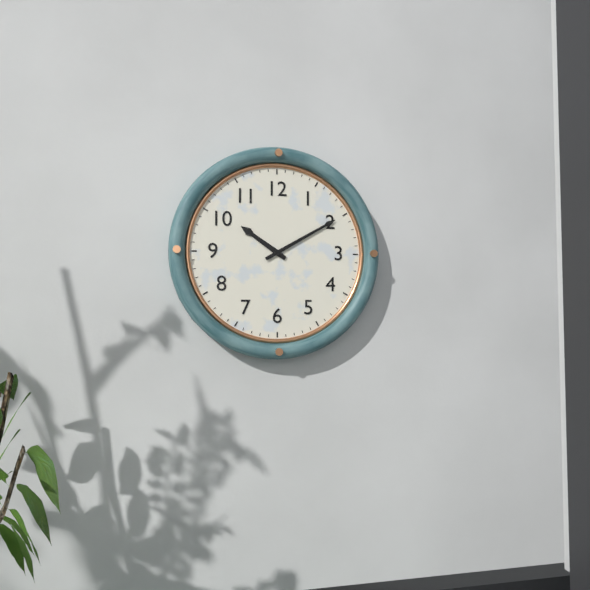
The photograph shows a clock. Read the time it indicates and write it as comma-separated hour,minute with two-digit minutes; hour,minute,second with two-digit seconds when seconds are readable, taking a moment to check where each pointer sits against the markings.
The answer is 10,10
